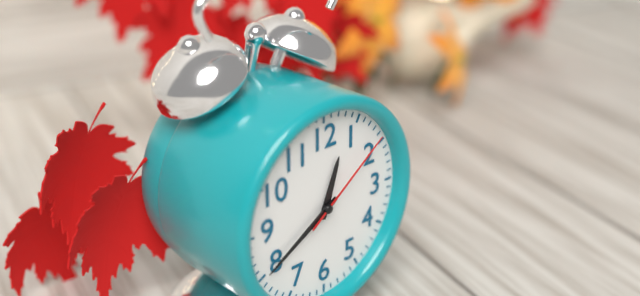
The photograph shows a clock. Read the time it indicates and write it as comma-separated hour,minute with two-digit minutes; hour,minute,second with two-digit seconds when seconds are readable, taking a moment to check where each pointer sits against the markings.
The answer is 12,40,09
